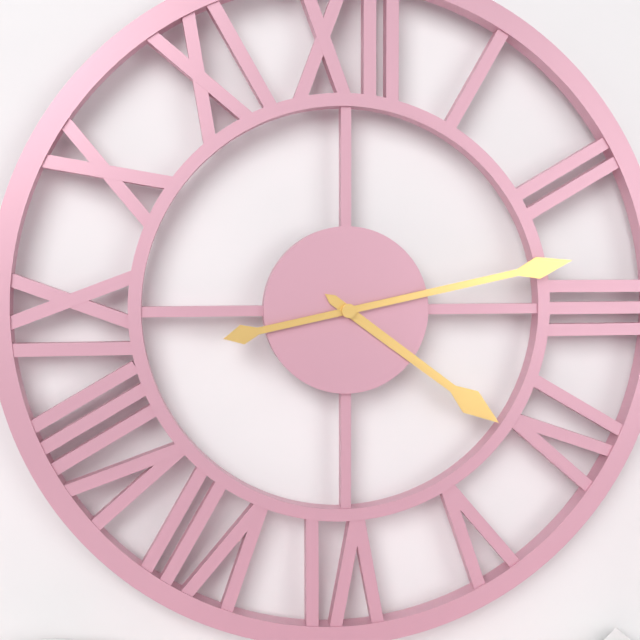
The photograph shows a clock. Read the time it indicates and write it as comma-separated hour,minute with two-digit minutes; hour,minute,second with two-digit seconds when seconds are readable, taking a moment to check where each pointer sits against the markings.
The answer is 4,13
